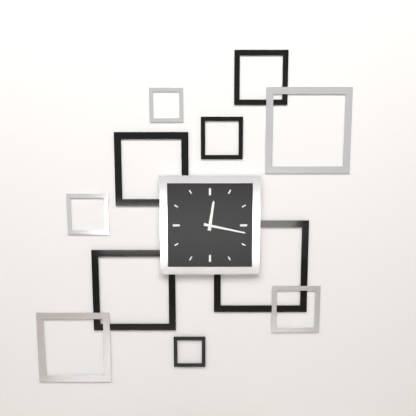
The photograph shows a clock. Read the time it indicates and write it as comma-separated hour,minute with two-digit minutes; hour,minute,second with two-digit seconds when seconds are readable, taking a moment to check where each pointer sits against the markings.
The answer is 12,17
